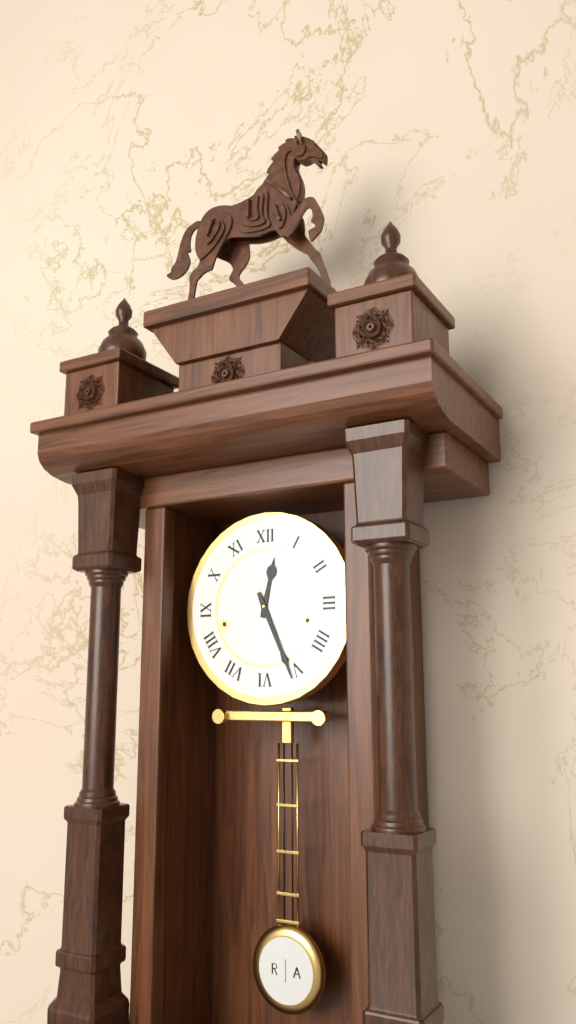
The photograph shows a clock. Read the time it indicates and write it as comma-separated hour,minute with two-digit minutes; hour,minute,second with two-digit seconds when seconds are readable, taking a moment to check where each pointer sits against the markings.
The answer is 12,26
